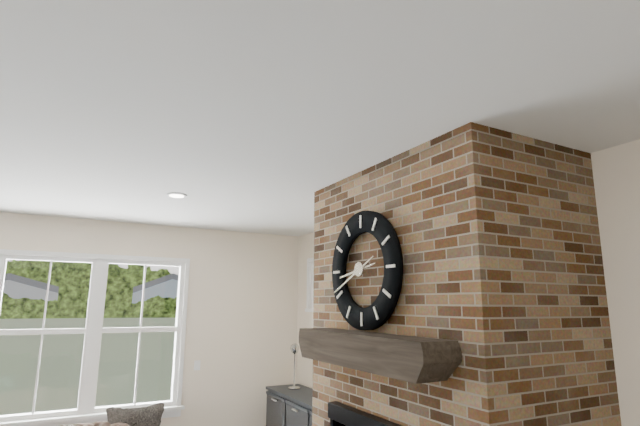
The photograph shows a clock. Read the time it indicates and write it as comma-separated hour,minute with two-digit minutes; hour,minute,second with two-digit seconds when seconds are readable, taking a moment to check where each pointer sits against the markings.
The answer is 8,41
